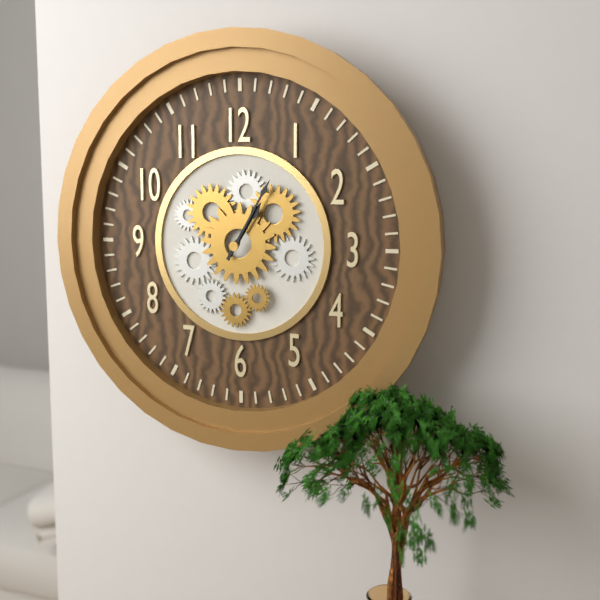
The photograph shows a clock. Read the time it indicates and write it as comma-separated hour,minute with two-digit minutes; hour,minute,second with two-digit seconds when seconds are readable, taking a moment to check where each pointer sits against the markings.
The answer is 1,05
